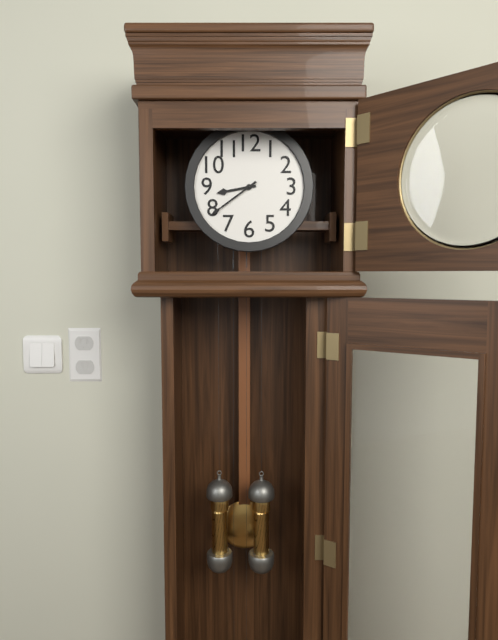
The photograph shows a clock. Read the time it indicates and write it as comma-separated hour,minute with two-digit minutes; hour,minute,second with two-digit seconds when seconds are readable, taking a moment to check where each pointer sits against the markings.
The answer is 8,39
